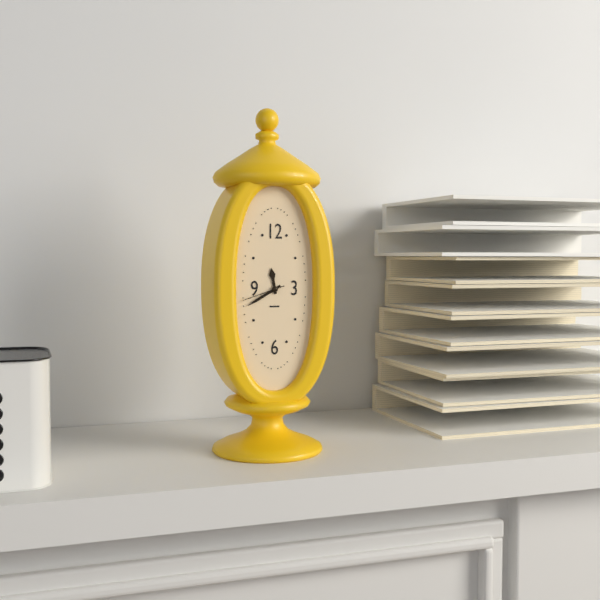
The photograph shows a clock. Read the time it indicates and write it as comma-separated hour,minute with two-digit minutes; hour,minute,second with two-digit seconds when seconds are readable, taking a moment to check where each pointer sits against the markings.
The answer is 11,40
